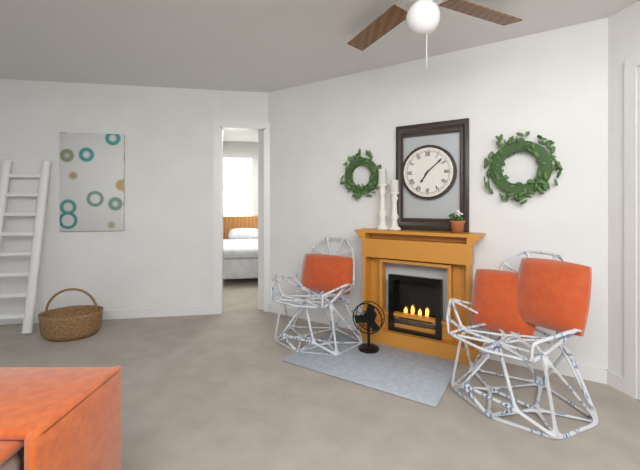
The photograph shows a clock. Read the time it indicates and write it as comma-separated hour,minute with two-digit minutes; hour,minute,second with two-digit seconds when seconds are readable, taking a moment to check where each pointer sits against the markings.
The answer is 7,08
